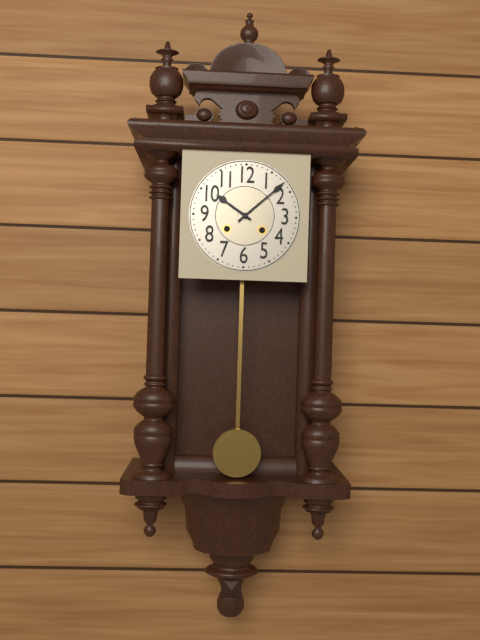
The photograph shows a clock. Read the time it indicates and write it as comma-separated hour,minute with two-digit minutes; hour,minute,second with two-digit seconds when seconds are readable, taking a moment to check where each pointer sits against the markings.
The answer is 10,08
